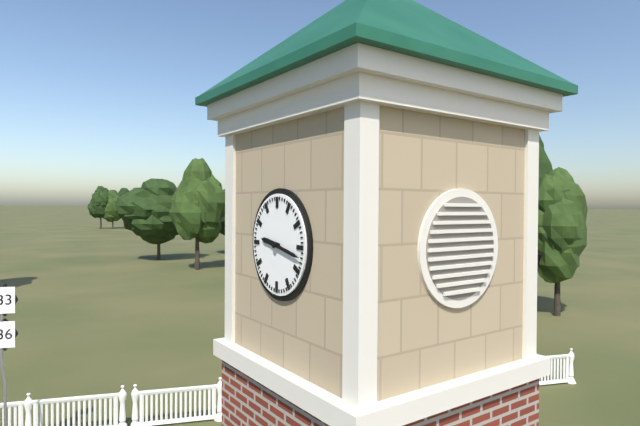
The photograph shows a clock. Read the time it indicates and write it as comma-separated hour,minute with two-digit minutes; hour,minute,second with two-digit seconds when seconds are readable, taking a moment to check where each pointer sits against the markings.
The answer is 9,17
